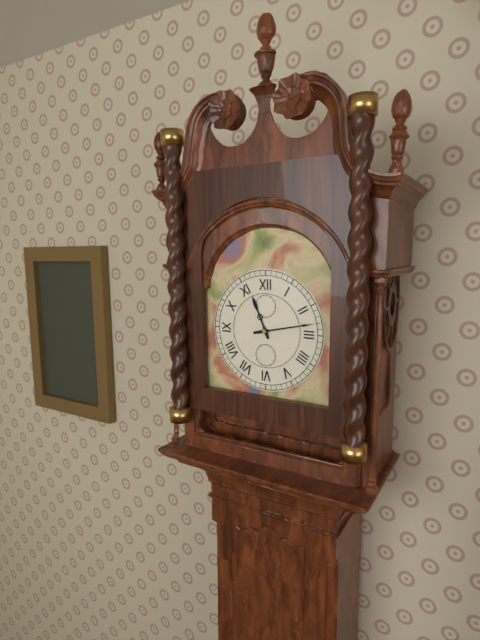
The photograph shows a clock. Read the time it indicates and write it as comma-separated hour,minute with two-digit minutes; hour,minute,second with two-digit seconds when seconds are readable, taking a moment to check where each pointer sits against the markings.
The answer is 11,13
